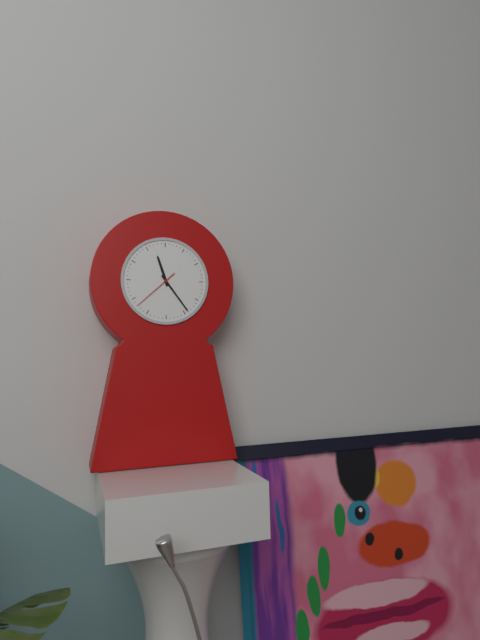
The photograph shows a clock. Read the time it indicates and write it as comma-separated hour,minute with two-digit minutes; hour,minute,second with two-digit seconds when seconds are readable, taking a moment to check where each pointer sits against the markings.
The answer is 11,24
